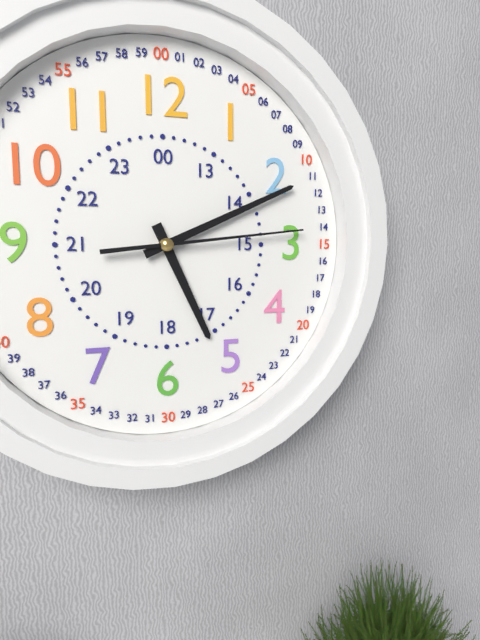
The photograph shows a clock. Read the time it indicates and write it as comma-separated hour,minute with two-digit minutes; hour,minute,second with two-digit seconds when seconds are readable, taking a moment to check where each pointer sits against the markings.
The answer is 5,11,14
